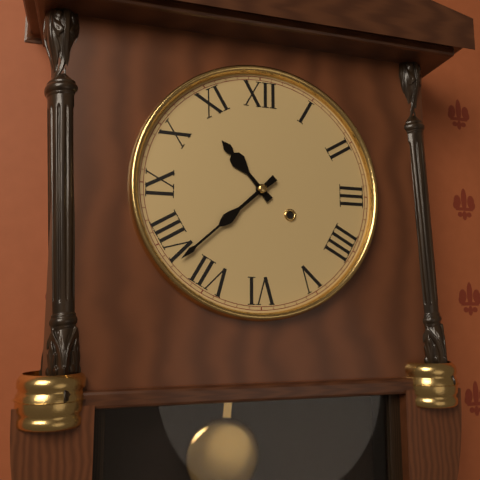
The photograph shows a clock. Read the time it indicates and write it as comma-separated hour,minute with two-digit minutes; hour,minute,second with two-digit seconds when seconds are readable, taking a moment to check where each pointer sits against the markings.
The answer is 10,38
